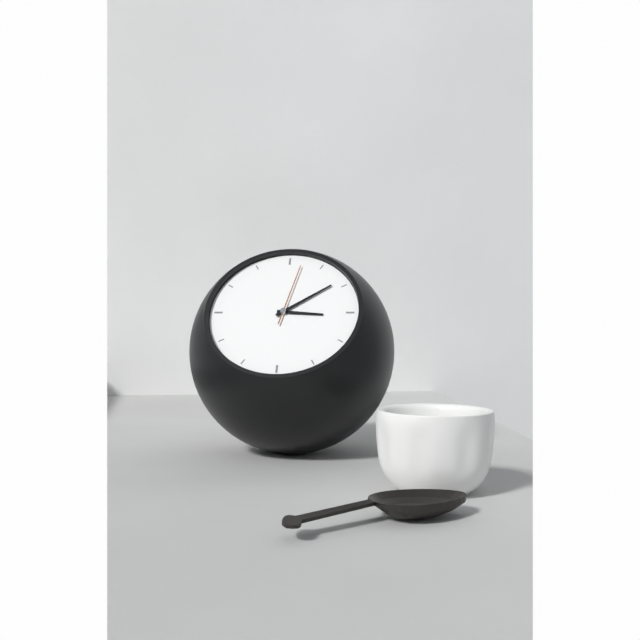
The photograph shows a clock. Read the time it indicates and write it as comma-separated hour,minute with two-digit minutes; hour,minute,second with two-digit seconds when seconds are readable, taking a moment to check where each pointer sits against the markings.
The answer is 3,09,02
